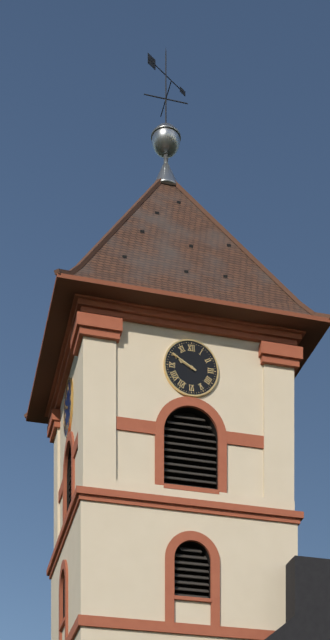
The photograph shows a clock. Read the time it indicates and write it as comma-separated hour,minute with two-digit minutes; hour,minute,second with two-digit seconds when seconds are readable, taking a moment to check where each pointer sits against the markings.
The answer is 9,50
